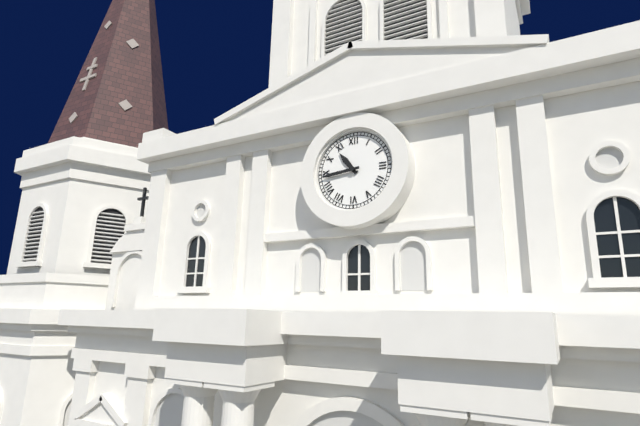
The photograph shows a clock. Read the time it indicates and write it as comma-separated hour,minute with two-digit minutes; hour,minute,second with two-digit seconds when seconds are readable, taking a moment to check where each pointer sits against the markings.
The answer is 10,44
